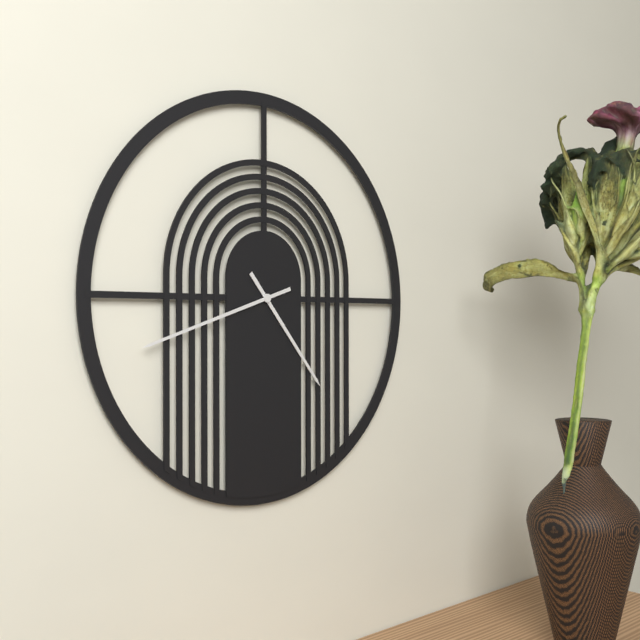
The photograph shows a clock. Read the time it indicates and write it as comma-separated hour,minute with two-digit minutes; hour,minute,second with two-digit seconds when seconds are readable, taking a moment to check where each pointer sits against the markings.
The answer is 4,42
